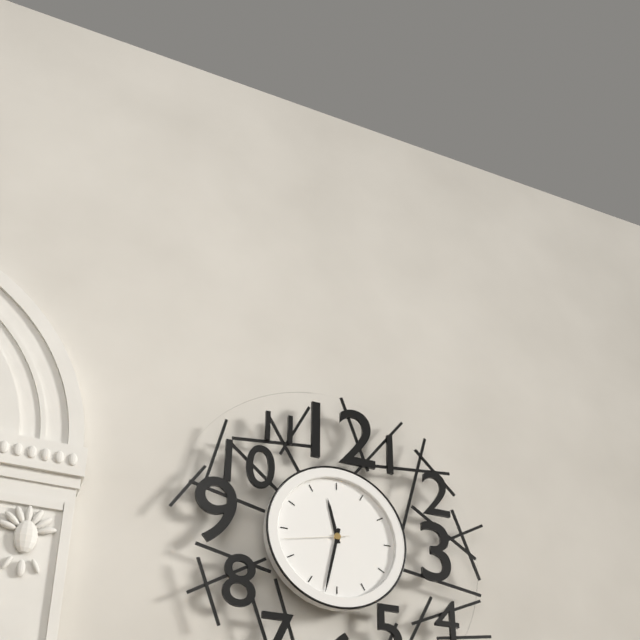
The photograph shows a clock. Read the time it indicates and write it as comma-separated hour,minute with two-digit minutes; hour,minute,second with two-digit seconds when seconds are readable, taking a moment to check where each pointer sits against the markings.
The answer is 11,32,43
